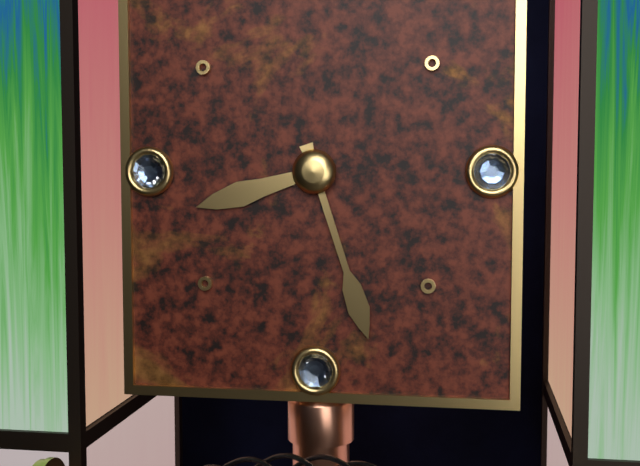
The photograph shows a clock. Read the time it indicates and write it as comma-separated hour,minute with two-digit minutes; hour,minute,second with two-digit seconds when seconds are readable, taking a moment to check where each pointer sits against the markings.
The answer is 8,27
